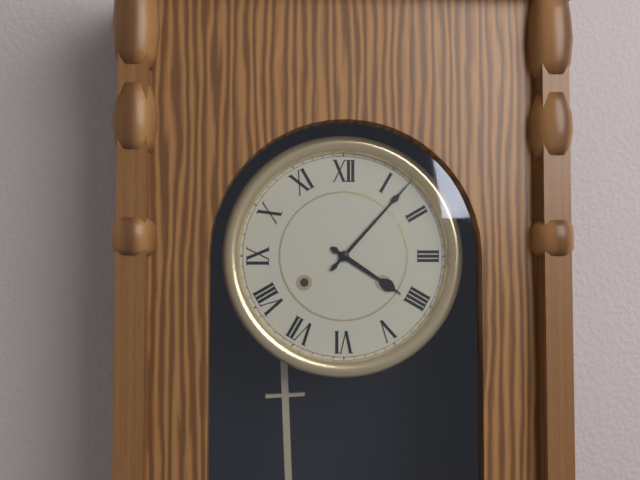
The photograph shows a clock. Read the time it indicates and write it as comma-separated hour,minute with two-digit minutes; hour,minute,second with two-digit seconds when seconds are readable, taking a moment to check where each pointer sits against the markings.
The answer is 4,07
